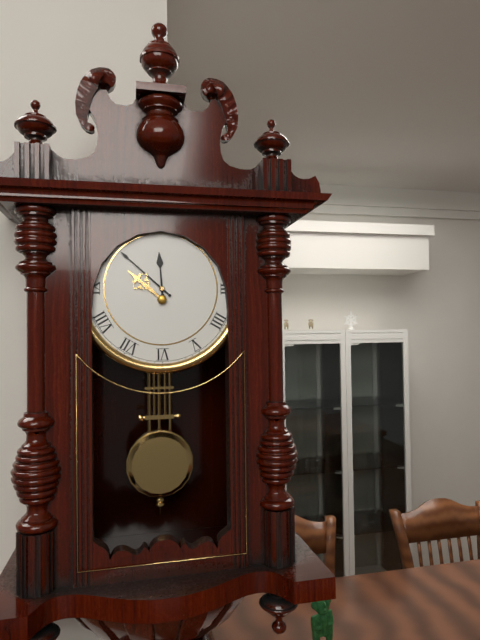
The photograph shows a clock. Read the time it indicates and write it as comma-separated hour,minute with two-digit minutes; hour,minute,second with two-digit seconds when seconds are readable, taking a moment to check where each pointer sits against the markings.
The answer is 11,52
